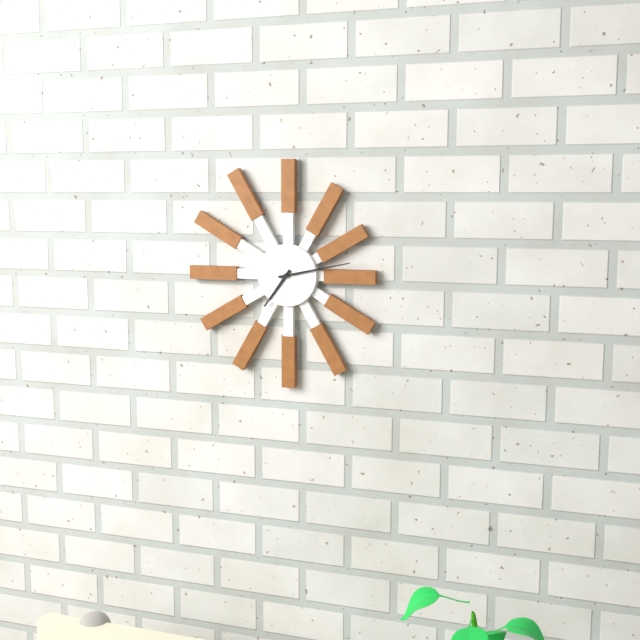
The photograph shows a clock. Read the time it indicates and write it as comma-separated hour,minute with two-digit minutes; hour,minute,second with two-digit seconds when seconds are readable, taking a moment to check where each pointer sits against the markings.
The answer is 7,13
